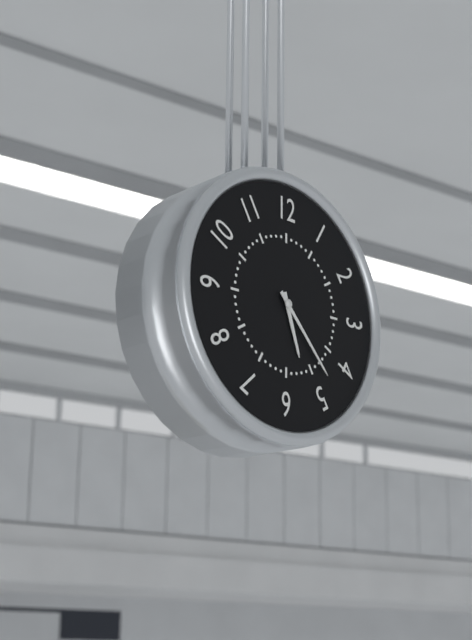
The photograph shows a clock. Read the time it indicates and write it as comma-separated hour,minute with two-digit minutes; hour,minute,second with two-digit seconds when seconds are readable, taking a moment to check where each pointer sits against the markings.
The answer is 5,23
